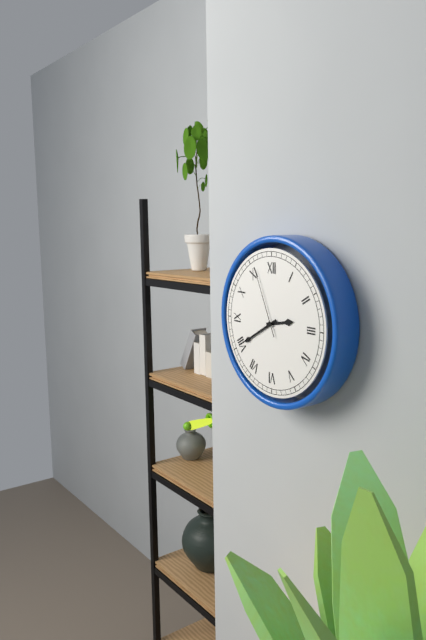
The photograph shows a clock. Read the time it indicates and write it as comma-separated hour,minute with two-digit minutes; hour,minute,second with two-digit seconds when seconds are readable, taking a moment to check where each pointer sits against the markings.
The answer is 2,40,56
